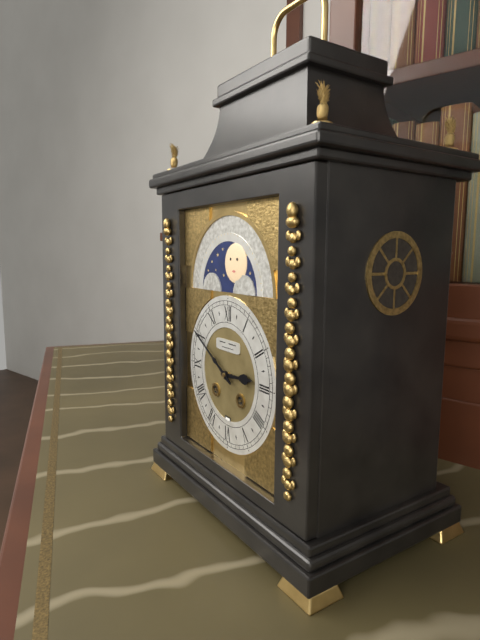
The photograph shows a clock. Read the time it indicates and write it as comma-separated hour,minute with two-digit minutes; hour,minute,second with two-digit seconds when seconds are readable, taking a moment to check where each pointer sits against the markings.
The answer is 2,50
